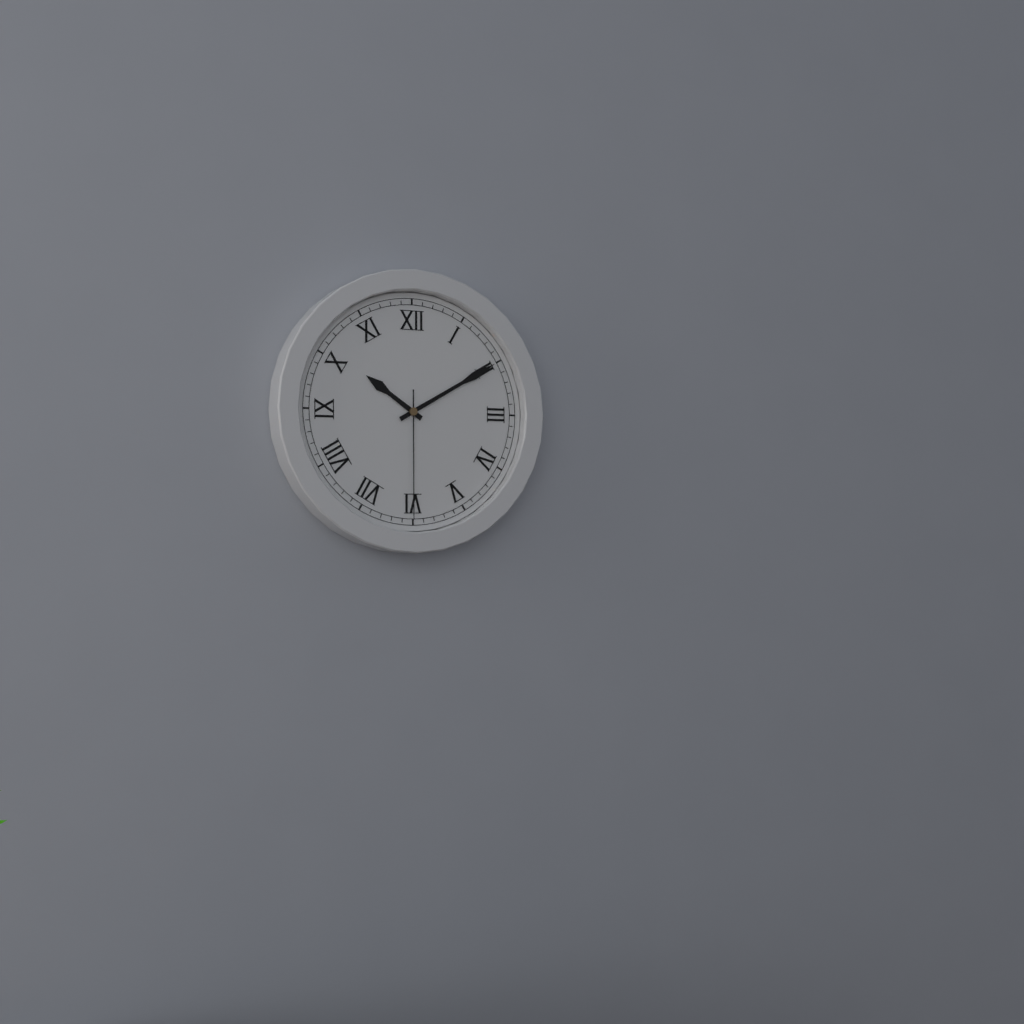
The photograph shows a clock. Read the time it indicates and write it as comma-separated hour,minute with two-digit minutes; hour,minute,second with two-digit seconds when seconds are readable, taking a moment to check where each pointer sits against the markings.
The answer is 10,10,30
